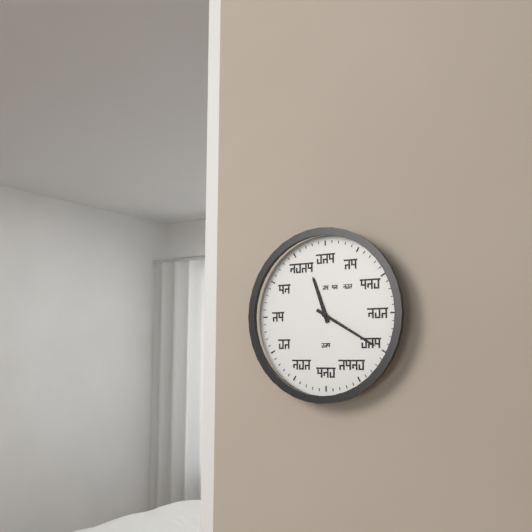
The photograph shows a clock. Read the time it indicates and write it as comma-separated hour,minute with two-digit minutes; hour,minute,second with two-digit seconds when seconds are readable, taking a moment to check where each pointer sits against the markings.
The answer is 11,20
